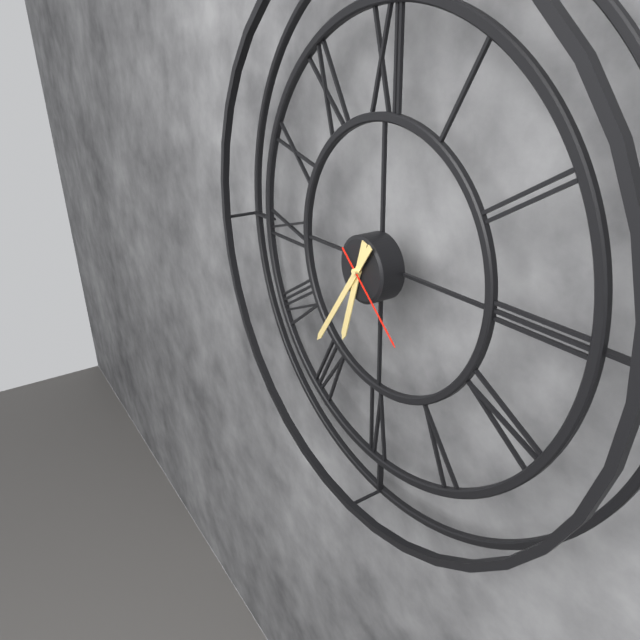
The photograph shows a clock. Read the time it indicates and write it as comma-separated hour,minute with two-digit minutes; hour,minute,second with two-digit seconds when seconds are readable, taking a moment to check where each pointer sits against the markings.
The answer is 6,36,22
